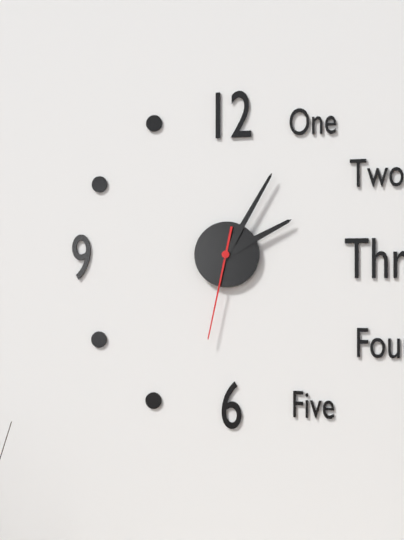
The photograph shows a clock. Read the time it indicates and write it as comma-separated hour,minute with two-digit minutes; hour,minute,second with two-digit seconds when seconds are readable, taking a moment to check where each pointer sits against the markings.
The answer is 2,05,32
